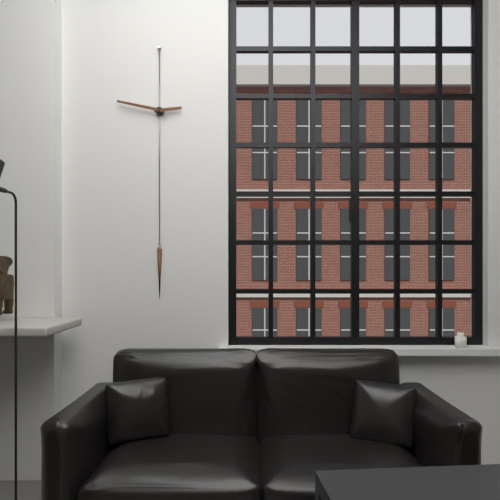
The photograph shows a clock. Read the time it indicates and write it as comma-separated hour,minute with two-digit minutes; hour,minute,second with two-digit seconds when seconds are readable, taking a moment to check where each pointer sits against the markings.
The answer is 2,47
